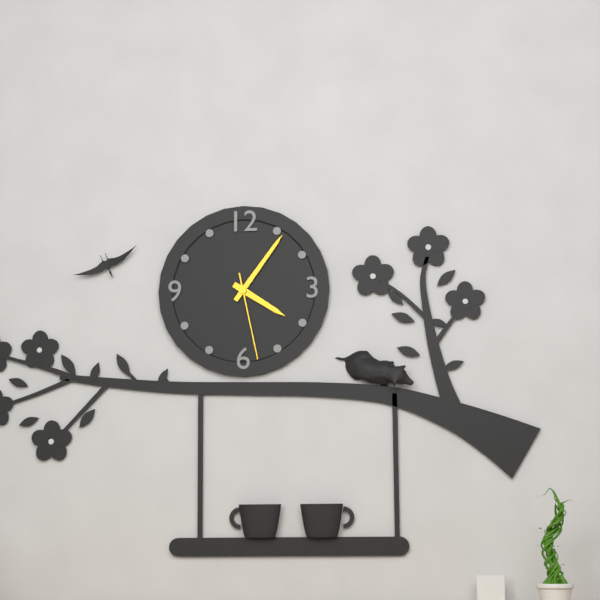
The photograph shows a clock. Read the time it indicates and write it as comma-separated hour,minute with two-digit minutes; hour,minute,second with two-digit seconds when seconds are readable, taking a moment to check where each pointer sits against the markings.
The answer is 4,06,28
